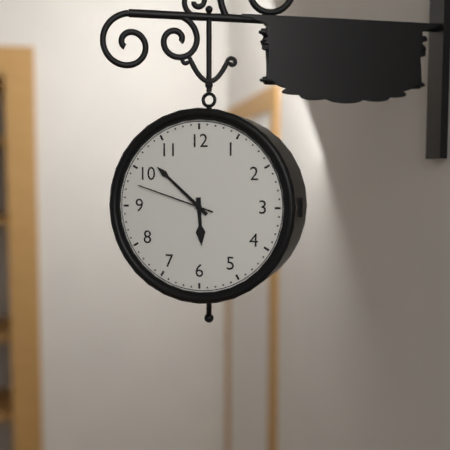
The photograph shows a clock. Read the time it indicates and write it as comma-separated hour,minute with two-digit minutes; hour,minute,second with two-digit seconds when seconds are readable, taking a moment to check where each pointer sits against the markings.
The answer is 5,52,48
